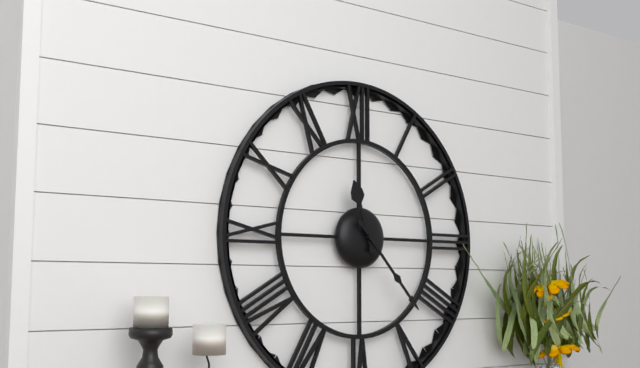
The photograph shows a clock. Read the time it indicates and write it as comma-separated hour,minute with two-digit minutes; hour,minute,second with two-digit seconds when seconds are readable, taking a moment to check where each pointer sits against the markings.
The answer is 11,23
